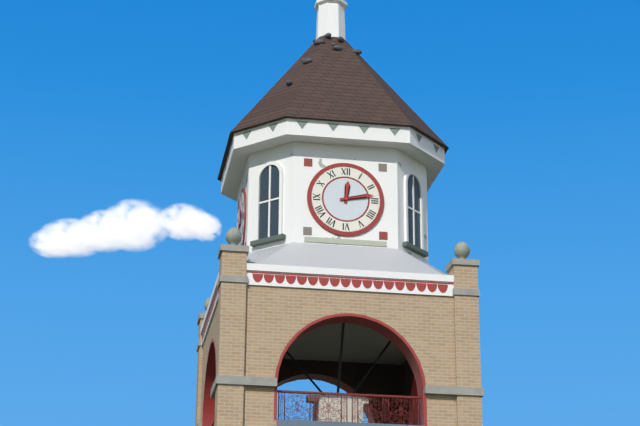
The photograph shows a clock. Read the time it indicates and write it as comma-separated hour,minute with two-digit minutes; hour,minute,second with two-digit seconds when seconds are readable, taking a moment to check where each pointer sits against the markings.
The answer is 12,13
